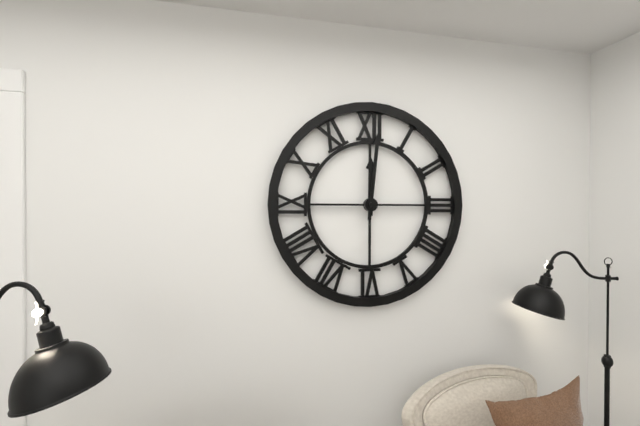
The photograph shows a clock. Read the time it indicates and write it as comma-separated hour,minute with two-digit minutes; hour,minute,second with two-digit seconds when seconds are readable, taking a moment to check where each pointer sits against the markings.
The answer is 12,01
